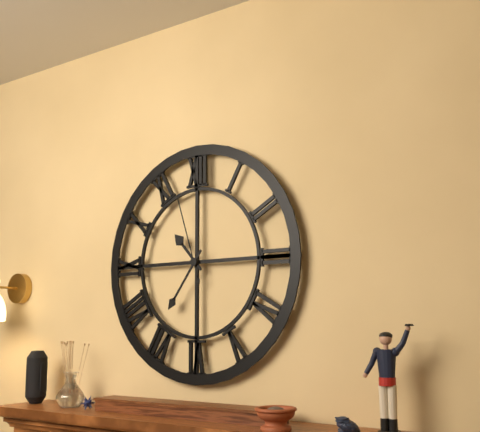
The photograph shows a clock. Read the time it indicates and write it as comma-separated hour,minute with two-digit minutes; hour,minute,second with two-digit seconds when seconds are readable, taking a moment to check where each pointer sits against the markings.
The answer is 10,36,57
